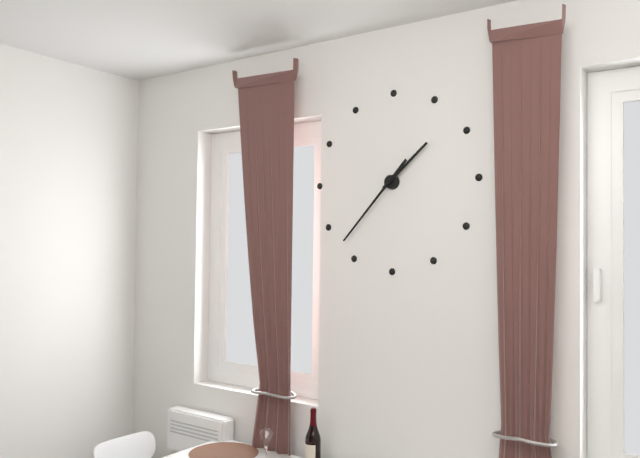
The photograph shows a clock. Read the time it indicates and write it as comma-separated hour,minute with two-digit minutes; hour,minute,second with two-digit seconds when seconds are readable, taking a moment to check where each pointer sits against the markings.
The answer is 1,37
